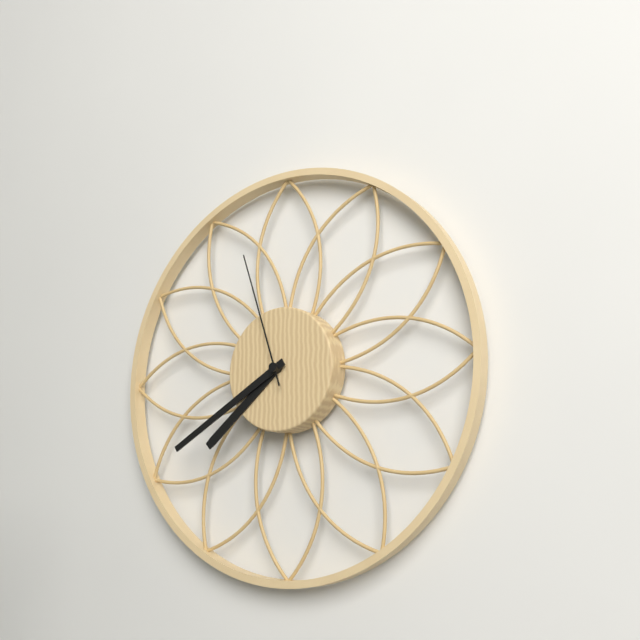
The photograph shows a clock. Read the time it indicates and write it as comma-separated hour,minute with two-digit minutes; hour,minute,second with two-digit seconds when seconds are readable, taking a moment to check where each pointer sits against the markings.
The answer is 7,40,57
